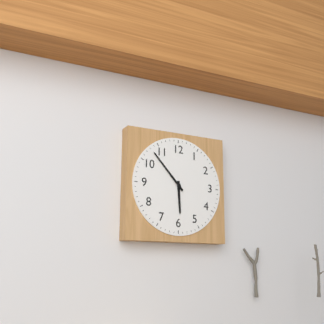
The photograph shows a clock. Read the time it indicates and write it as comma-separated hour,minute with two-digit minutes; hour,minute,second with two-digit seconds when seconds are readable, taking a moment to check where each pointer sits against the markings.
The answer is 5,53
